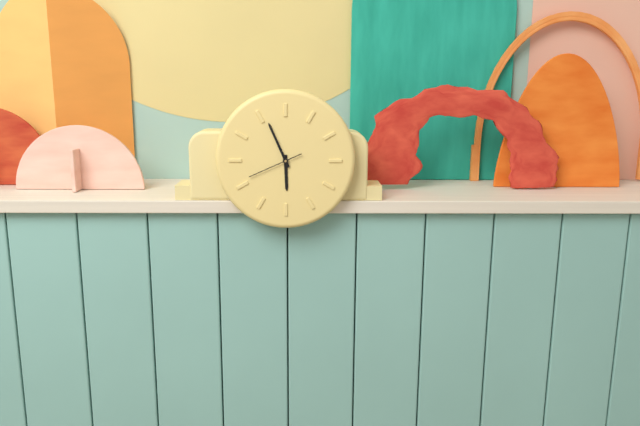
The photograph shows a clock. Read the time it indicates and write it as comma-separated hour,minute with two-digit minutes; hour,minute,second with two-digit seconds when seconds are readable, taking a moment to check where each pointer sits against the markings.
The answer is 5,56
